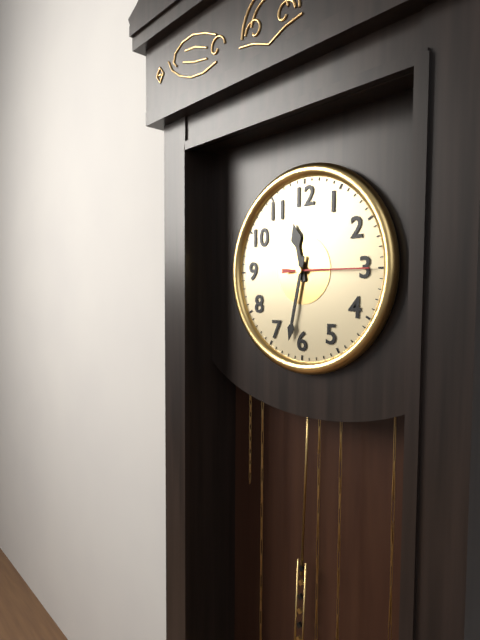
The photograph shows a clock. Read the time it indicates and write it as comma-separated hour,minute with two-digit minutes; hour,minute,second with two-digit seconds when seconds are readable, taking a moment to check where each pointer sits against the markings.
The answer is 11,32,15
